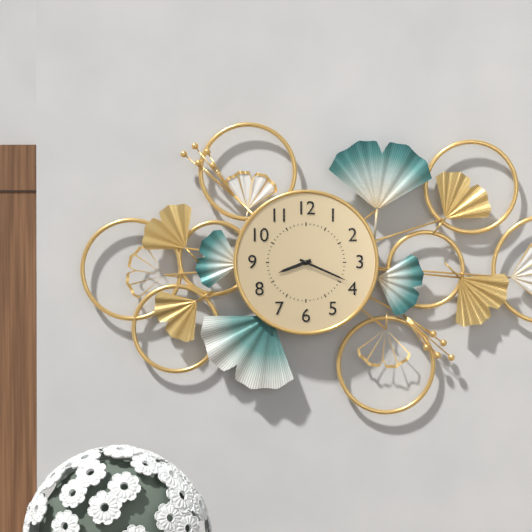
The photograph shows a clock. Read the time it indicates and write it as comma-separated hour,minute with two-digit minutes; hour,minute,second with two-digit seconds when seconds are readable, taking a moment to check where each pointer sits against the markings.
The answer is 8,19
